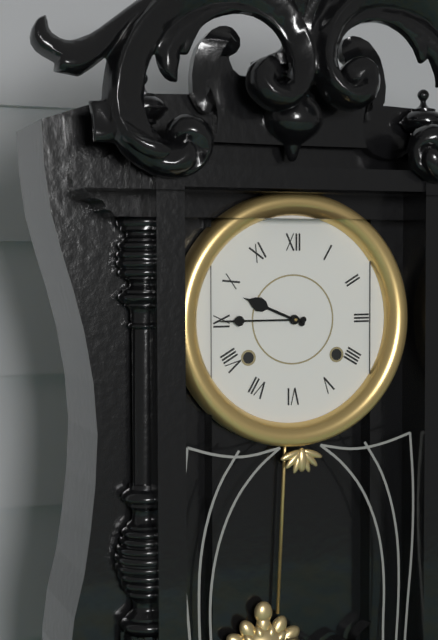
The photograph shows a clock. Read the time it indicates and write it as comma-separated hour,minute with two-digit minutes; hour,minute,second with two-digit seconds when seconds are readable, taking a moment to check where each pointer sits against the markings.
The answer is 9,45
